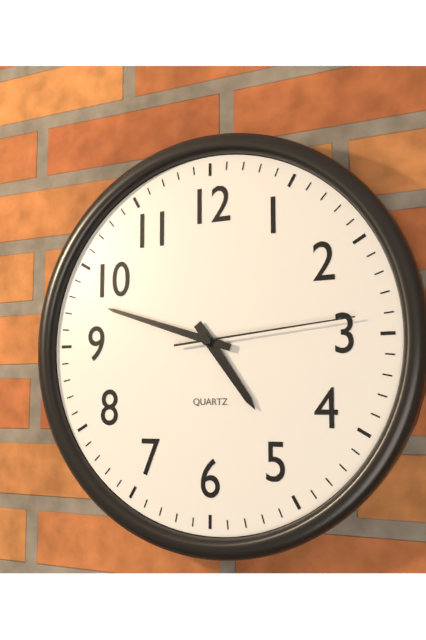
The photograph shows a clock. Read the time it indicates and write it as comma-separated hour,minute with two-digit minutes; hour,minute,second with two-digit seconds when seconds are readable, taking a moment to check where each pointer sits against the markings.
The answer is 4,48,14
